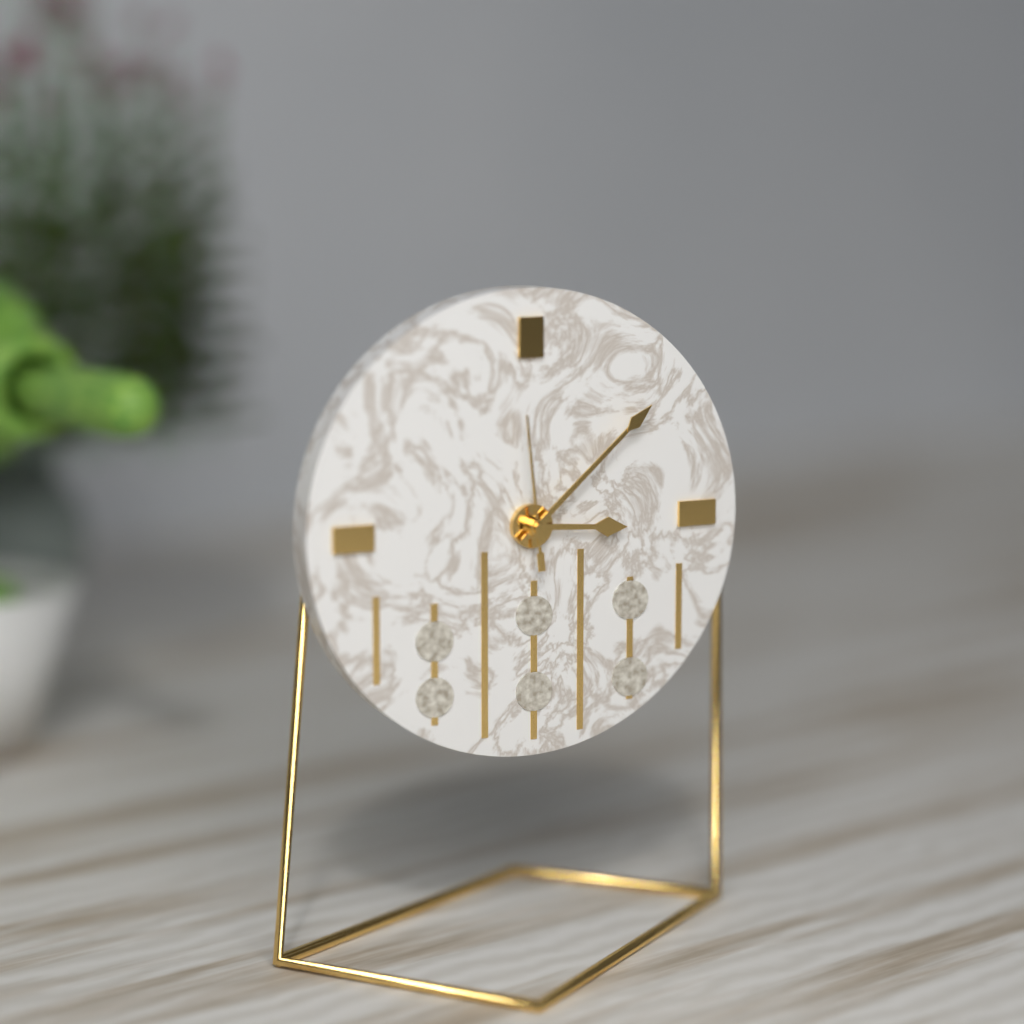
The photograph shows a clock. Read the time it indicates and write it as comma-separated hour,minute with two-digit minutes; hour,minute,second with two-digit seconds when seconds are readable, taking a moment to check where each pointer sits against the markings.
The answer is 3,08,59
